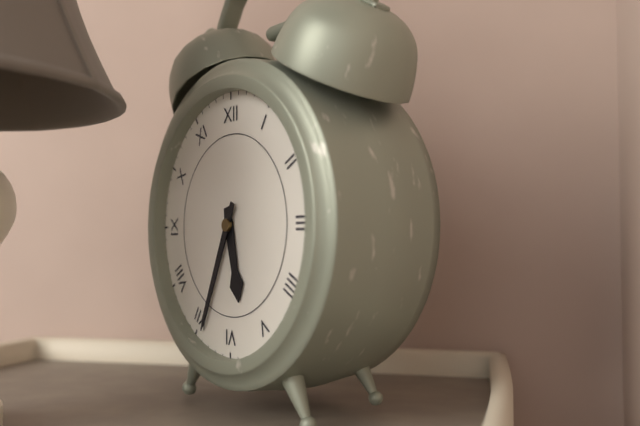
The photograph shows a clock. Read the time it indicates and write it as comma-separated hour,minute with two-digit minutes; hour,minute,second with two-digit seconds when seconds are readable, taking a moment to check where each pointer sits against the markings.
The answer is 5,34
